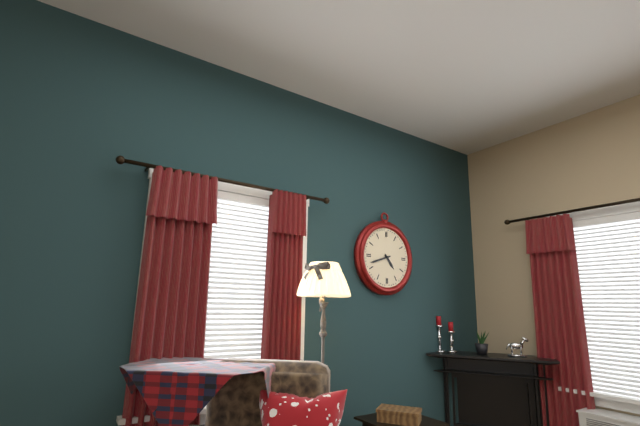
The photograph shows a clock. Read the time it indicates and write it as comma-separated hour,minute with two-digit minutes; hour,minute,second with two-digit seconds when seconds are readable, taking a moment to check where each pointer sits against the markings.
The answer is 4,42
